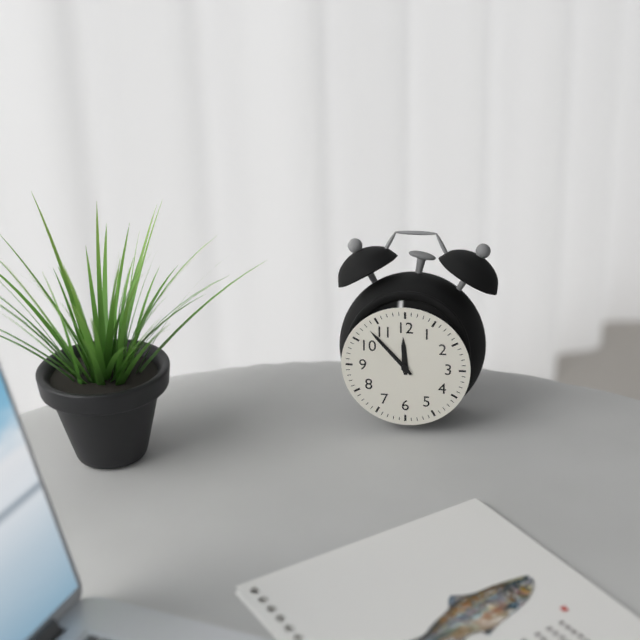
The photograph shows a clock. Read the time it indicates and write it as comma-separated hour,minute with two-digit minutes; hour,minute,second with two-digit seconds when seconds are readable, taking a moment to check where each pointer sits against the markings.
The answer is 11,53
